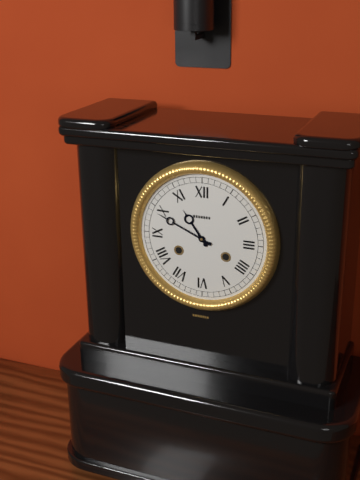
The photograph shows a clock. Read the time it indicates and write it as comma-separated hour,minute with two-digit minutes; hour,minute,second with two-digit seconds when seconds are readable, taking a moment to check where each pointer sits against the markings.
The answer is 10,49
